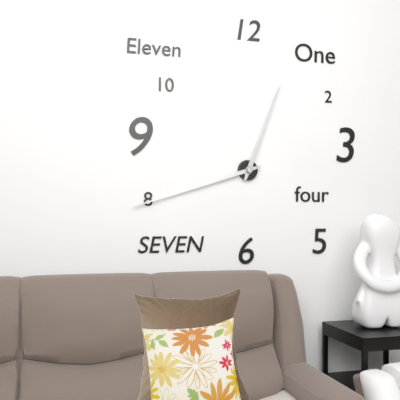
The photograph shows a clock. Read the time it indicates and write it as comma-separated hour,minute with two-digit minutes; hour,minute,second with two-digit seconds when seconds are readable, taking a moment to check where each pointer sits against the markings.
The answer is 12,42
